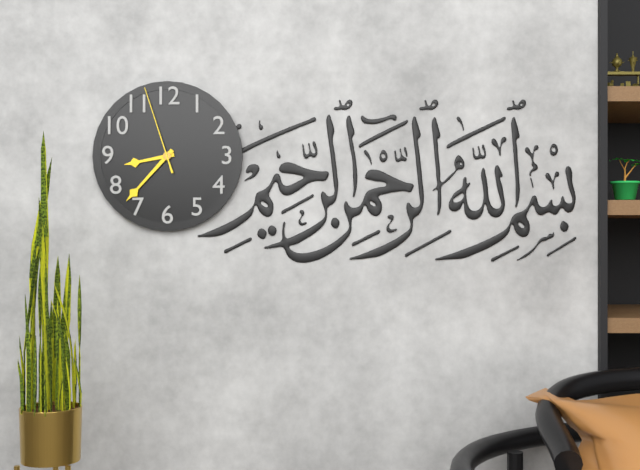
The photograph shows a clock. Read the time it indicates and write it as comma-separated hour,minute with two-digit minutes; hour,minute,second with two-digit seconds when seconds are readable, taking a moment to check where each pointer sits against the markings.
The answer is 8,37,57
